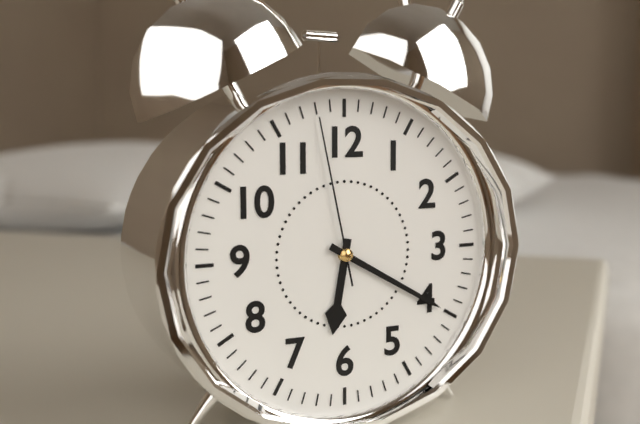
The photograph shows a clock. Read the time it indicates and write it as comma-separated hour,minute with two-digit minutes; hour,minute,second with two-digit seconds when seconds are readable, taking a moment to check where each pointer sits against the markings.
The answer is 6,20,58
